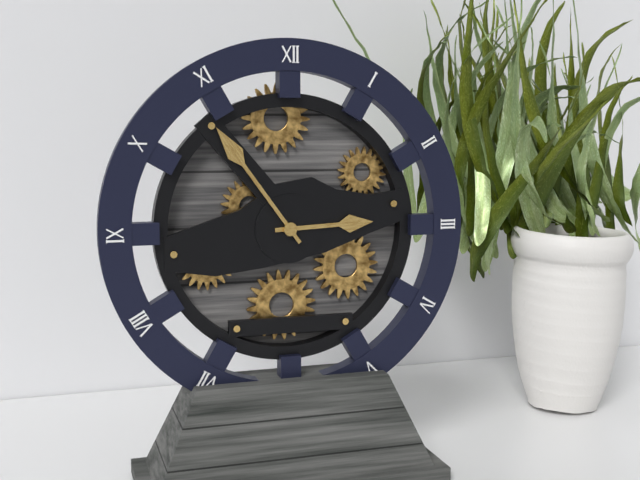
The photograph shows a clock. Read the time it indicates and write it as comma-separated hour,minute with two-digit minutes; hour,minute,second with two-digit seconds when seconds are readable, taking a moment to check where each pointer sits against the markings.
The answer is 2,54
